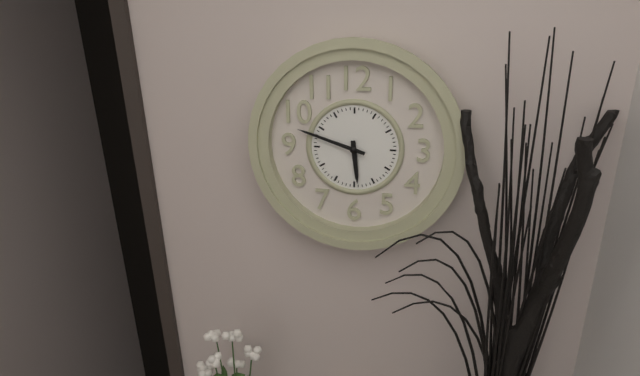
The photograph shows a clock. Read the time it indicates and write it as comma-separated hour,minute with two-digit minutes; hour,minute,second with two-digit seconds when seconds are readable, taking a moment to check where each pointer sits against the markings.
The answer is 5,48
